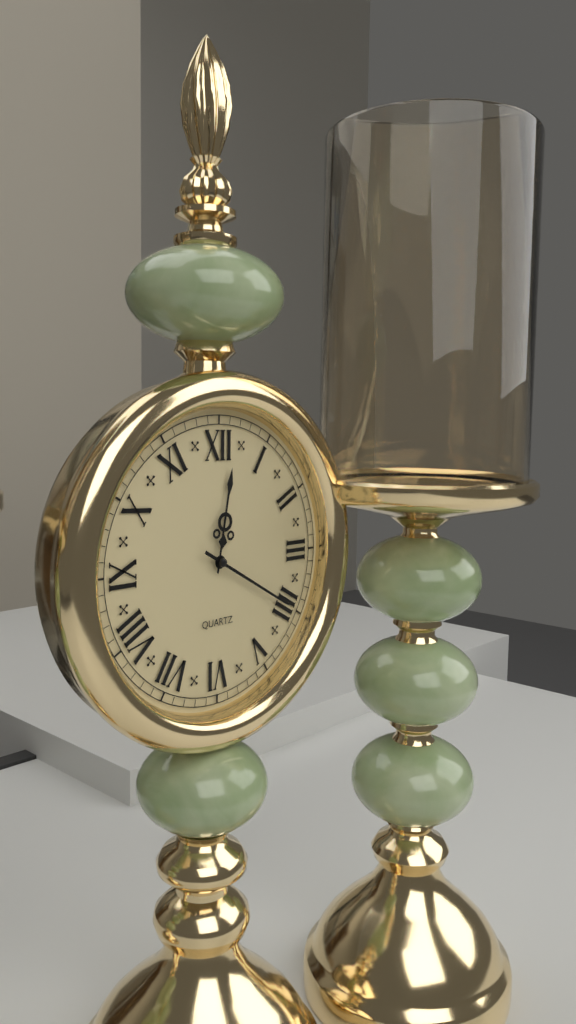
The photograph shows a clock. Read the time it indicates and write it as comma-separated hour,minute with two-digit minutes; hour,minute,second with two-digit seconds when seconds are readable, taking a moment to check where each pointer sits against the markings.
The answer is 12,20
